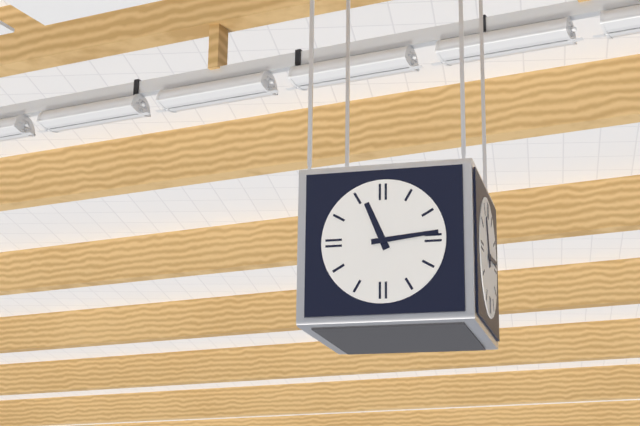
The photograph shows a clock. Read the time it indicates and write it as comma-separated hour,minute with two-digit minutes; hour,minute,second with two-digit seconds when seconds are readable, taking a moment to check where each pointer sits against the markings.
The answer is 11,14
